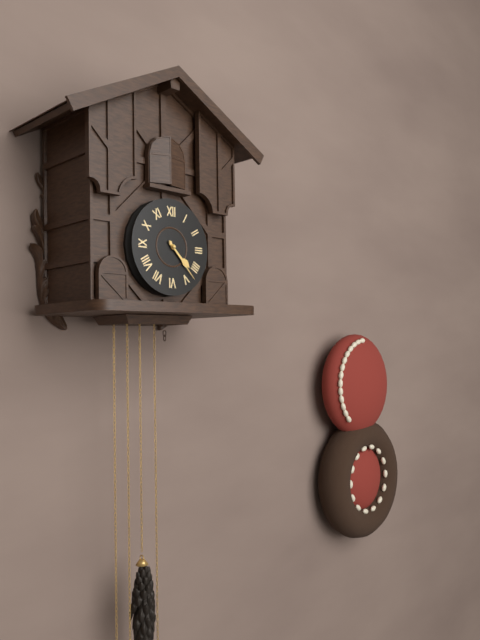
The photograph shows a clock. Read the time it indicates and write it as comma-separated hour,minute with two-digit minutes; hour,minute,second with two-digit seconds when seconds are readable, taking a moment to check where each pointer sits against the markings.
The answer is 4,23
